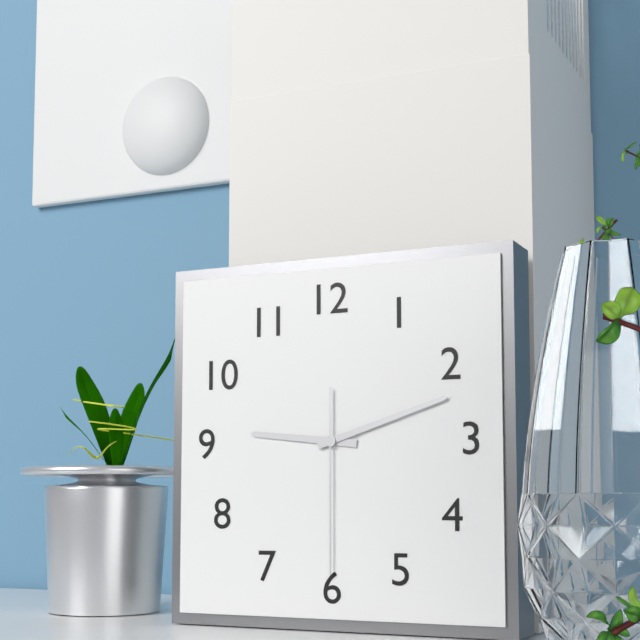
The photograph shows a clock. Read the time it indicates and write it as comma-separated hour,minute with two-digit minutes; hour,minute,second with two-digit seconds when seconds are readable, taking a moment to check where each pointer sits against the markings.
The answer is 9,12,30
